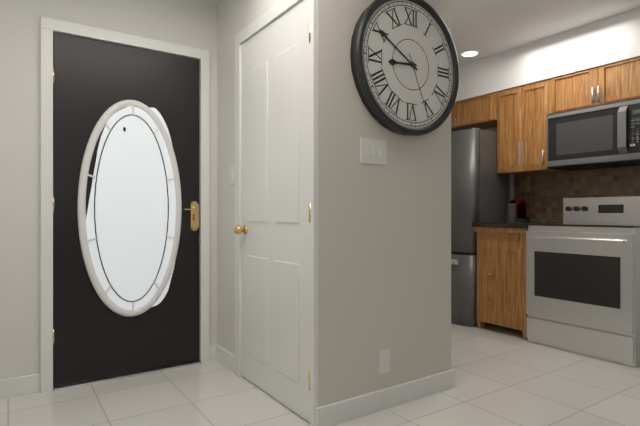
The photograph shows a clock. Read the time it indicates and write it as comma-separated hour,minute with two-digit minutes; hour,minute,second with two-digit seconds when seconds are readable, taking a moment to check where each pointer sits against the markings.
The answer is 8,50,26
